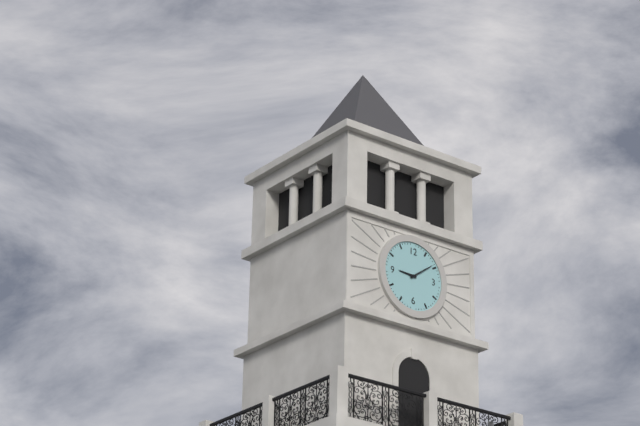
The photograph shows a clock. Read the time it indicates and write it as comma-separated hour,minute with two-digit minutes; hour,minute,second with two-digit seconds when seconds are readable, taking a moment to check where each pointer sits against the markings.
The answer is 9,09
